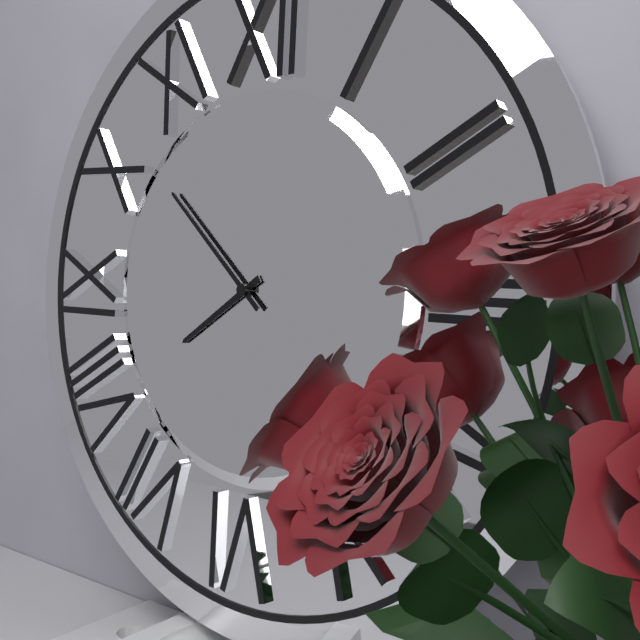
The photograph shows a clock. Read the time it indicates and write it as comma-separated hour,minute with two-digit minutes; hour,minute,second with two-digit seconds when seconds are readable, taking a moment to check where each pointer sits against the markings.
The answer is 7,52
